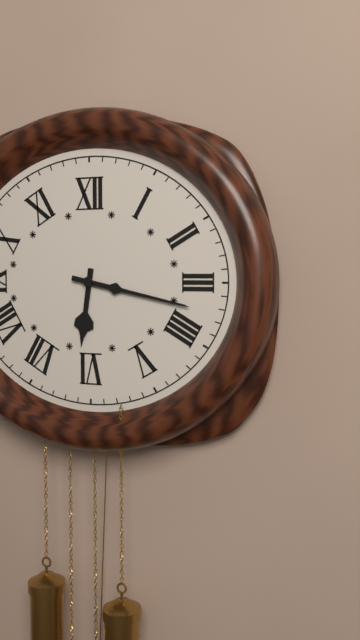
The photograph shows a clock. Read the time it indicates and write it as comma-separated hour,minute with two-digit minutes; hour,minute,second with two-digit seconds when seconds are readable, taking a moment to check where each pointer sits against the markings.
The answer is 6,17
